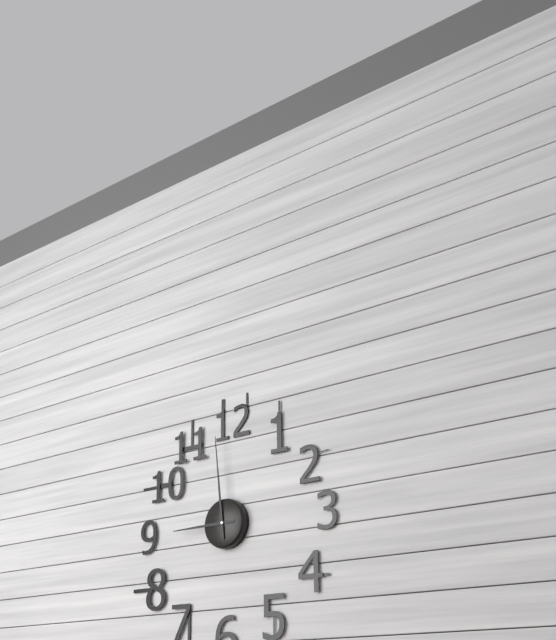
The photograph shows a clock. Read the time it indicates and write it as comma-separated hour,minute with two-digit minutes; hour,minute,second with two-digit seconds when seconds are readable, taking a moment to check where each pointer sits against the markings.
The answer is 8,59
